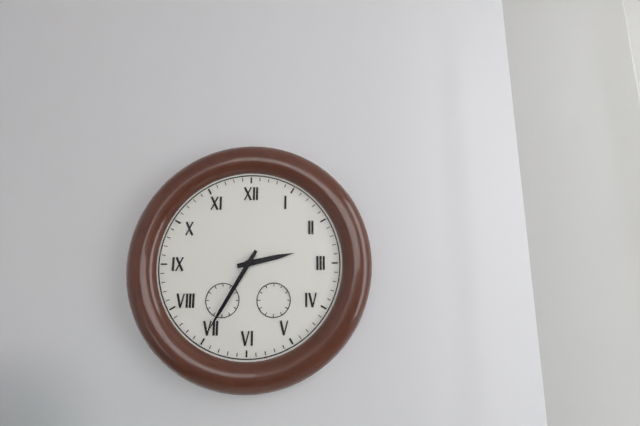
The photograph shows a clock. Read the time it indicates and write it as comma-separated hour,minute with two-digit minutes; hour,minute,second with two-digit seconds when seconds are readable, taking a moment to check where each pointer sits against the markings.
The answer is 2,35
